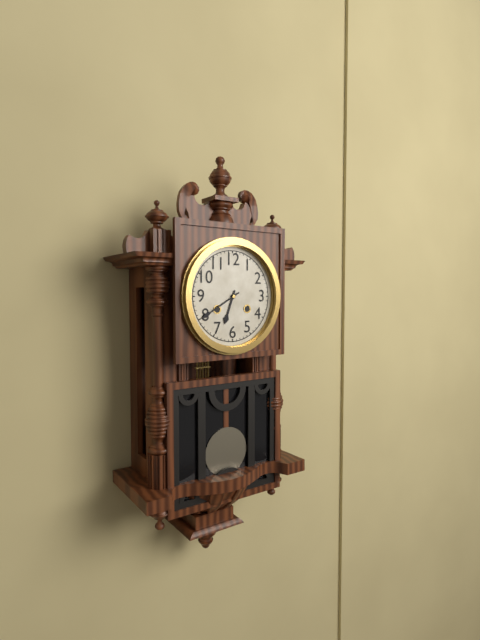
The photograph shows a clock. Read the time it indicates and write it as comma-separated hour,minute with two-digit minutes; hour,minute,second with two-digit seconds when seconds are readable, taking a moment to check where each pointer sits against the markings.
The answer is 6,40
